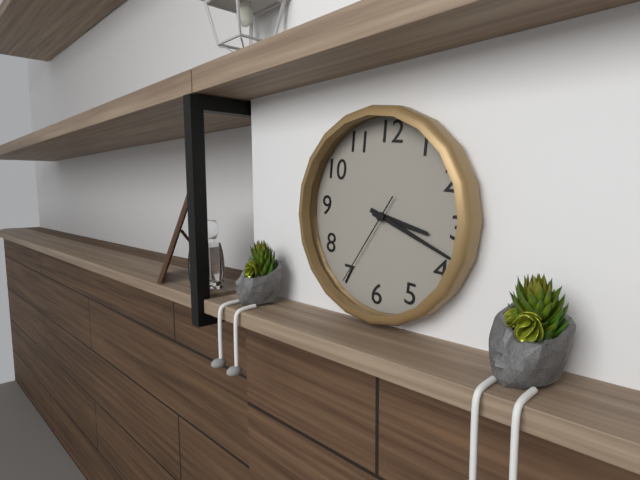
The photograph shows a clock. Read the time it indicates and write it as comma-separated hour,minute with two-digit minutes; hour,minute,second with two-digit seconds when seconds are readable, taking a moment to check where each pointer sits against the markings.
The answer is 3,18,35
